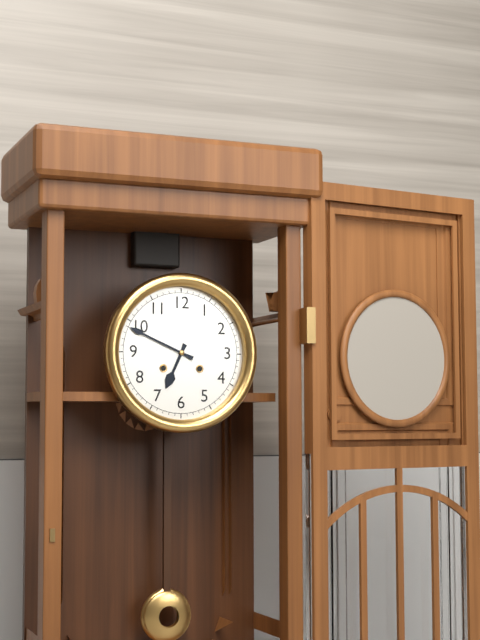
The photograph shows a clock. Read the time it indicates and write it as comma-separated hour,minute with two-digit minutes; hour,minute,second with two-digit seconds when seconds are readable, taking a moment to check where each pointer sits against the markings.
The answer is 6,49
